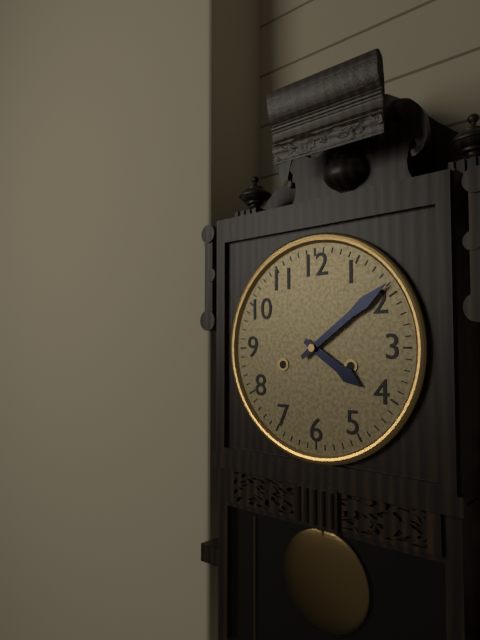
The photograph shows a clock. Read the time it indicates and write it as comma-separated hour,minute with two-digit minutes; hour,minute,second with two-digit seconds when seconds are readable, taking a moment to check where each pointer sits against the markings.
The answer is 4,09
